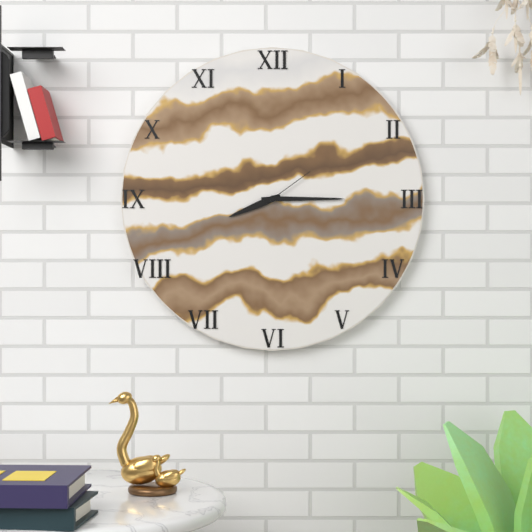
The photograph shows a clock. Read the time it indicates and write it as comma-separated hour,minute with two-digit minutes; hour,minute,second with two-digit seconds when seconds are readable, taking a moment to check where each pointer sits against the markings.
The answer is 8,15,09
